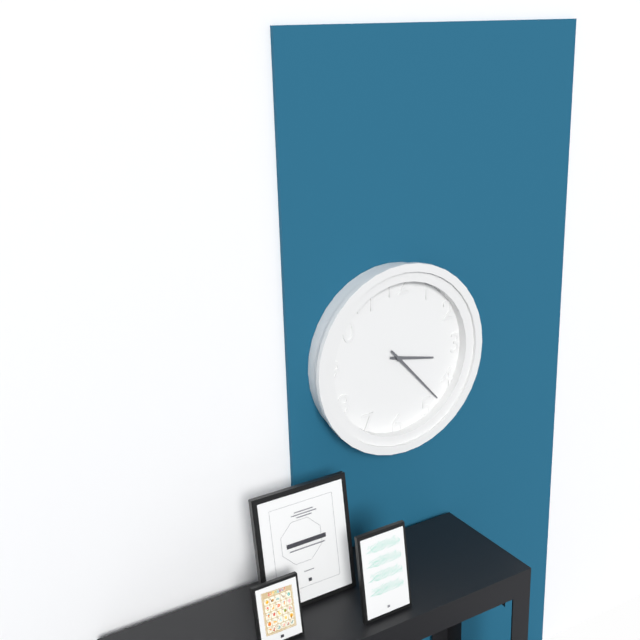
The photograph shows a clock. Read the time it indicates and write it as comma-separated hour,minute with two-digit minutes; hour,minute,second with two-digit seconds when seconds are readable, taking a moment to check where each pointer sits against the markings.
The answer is 3,23
